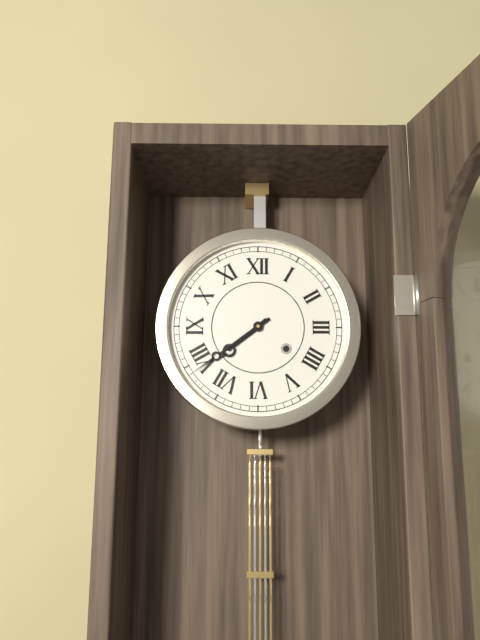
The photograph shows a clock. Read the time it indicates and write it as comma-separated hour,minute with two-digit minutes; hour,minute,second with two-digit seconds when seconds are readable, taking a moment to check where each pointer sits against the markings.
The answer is 7,39
